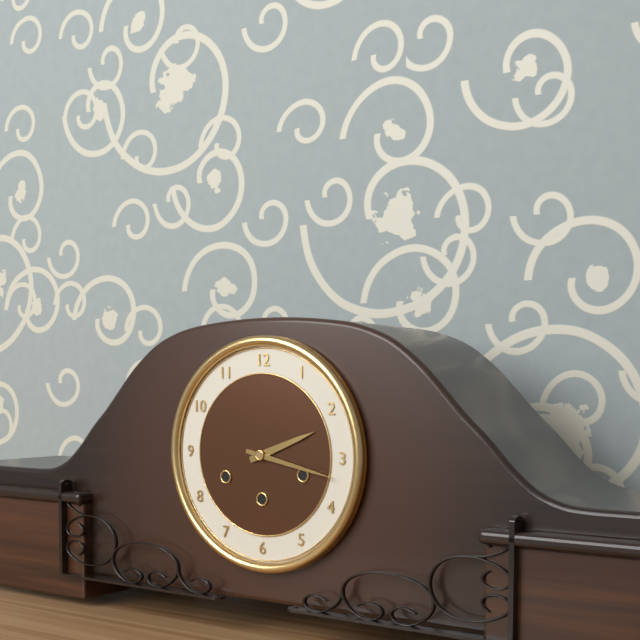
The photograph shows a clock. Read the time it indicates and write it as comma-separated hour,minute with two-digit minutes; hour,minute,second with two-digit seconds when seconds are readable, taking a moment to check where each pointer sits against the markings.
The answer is 2,17
